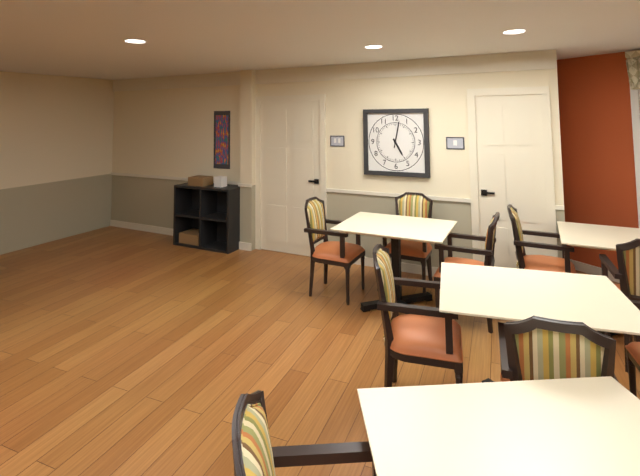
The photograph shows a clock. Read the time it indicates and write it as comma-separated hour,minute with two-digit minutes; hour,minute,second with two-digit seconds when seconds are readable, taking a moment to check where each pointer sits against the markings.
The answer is 5,02
